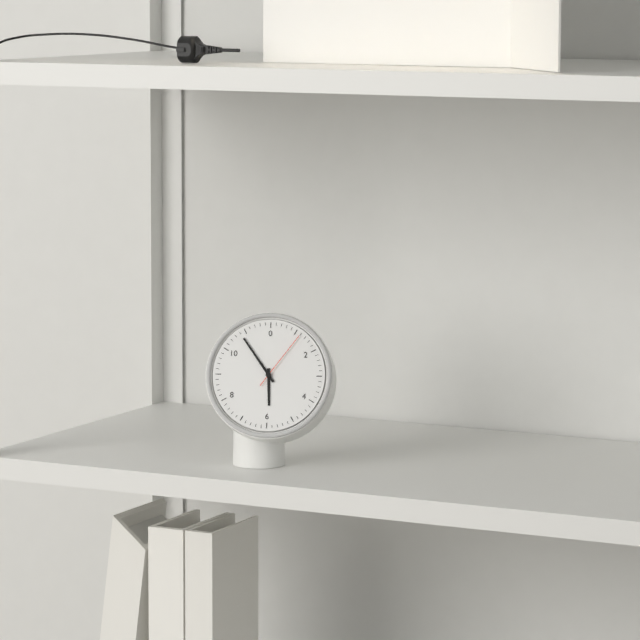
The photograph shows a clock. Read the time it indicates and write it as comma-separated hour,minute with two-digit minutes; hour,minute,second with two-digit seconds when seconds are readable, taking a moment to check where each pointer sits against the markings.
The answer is 5,54,06
